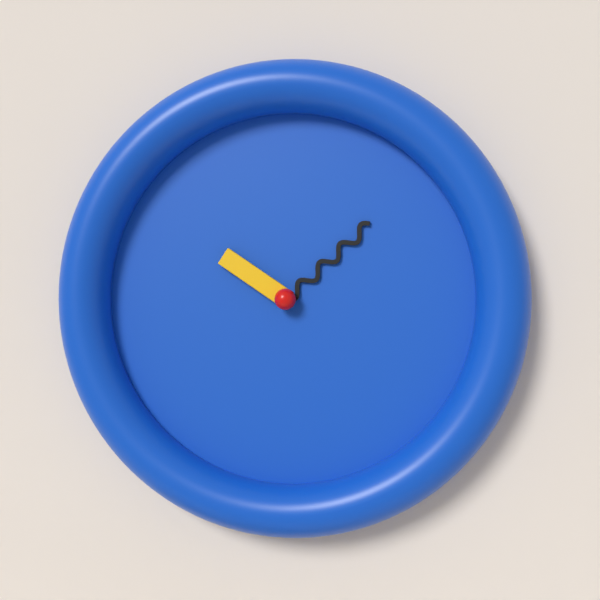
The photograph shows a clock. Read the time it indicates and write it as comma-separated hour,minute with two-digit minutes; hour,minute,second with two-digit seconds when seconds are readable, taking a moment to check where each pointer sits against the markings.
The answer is 10,08
